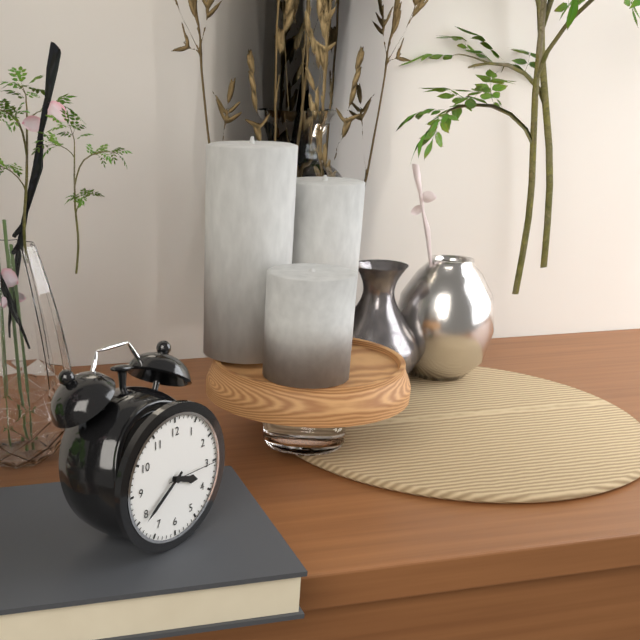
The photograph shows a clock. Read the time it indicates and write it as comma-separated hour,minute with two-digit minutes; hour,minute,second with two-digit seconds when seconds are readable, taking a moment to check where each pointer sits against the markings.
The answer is 3,39,15
